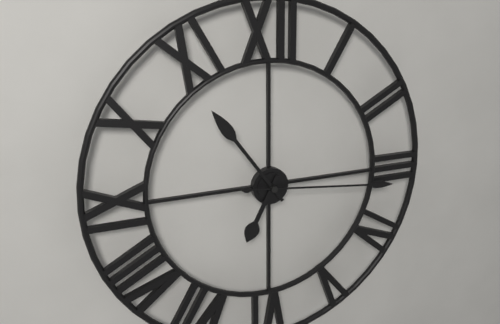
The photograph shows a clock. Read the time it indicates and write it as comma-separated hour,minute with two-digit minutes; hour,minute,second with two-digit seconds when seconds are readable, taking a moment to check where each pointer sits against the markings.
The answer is 6,54,16
